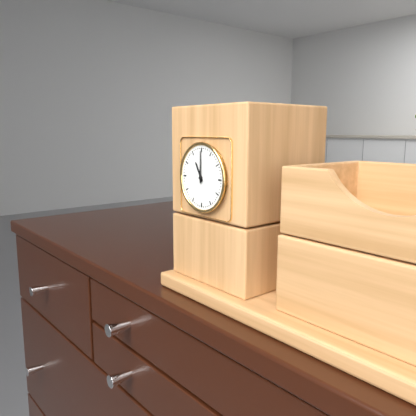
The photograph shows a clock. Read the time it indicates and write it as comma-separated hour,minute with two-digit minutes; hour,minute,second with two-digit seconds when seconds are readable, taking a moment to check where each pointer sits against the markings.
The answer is 11,00
